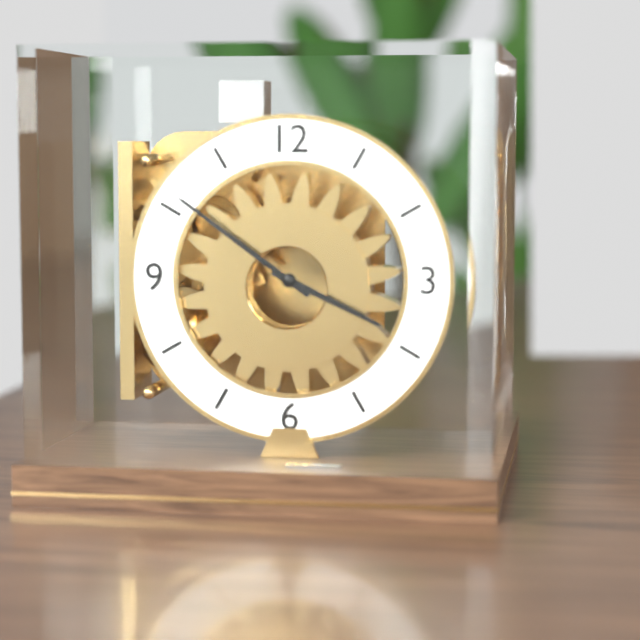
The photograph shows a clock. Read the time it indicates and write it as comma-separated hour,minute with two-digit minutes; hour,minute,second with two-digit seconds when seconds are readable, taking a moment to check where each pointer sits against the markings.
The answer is 3,51
